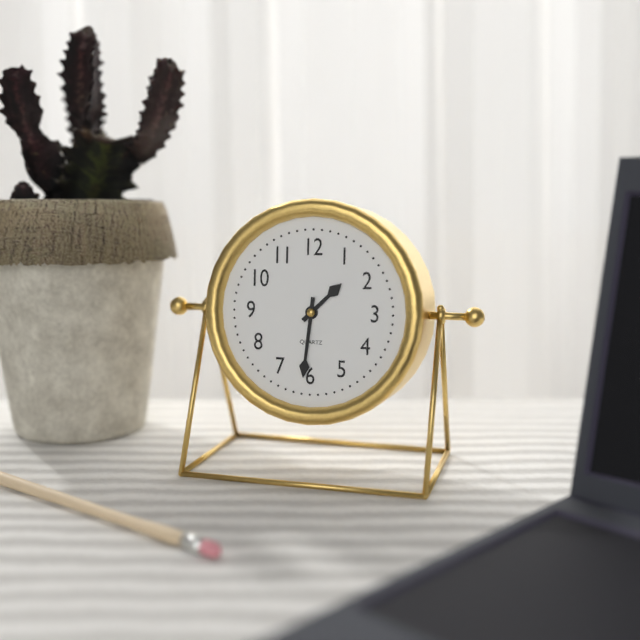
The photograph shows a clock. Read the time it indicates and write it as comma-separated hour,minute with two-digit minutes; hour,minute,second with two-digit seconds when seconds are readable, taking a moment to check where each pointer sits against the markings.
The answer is 1,31
